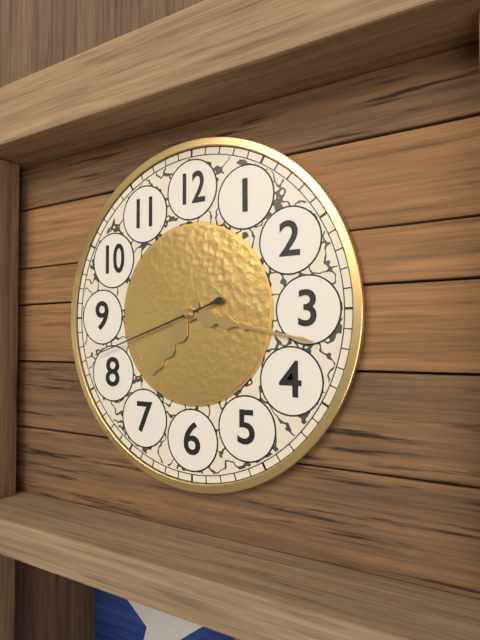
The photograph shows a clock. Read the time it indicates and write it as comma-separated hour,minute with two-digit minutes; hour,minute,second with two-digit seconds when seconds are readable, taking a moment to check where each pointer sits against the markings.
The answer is 7,17,42
